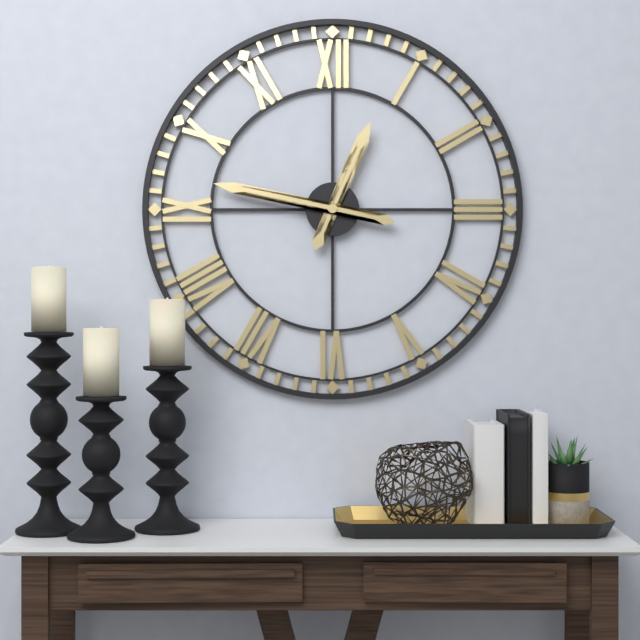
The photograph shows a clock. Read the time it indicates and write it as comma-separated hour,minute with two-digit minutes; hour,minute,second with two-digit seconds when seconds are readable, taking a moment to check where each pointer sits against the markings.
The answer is 12,47
